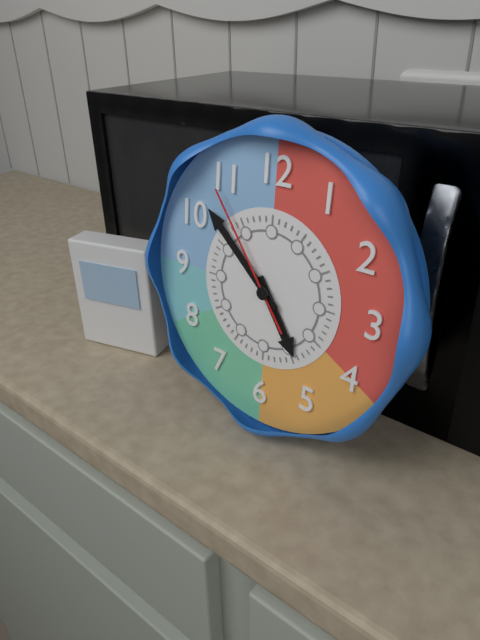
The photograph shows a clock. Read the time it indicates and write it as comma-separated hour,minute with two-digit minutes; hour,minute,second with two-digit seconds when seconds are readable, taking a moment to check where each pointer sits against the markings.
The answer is 4,52,54
